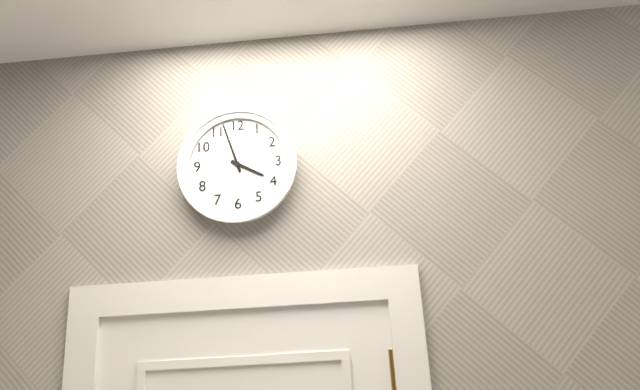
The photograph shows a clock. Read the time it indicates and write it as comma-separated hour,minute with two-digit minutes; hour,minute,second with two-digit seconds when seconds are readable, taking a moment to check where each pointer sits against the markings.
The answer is 3,57
